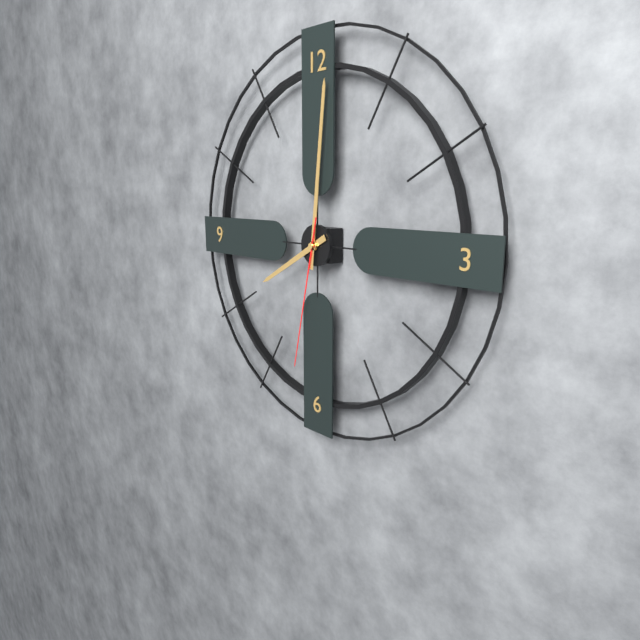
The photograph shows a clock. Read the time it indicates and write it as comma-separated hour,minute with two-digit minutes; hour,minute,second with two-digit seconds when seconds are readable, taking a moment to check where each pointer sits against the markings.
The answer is 8,01,32
